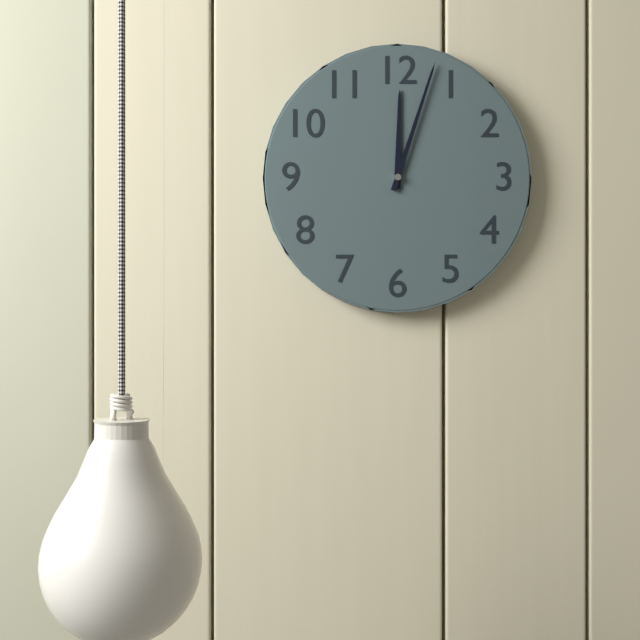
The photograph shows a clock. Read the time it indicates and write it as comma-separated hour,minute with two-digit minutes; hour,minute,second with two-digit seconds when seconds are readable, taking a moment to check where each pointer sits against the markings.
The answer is 12,03
